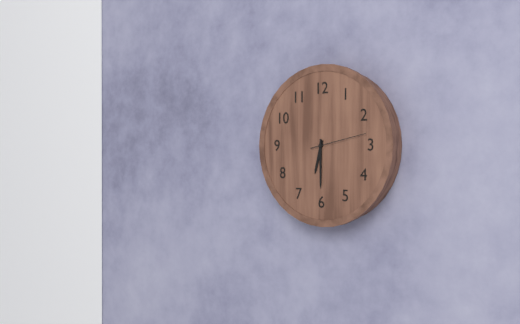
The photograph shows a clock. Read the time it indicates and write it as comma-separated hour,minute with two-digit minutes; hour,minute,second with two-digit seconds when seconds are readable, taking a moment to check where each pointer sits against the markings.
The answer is 6,30,13
